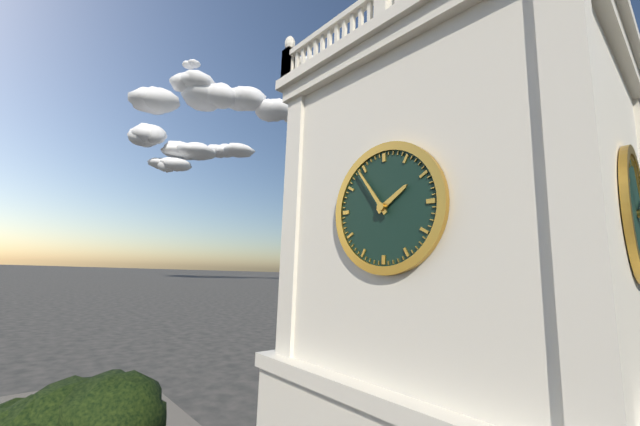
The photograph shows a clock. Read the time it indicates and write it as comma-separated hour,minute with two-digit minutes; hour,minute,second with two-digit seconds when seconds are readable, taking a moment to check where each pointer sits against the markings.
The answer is 1,54
